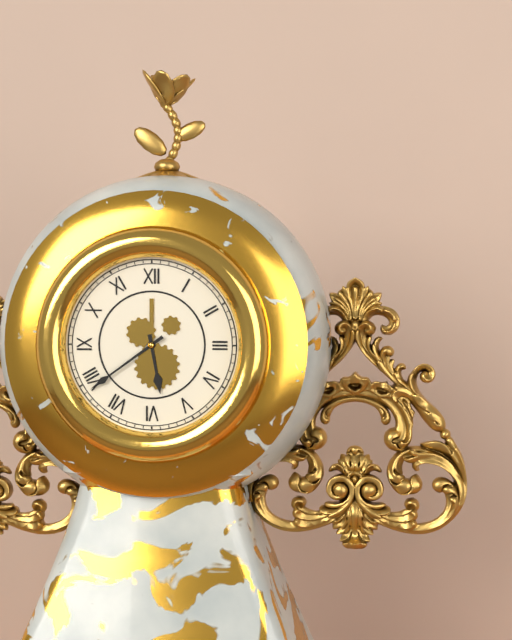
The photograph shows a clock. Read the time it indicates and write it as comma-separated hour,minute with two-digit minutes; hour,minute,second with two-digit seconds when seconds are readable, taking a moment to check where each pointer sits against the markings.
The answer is 5,39
